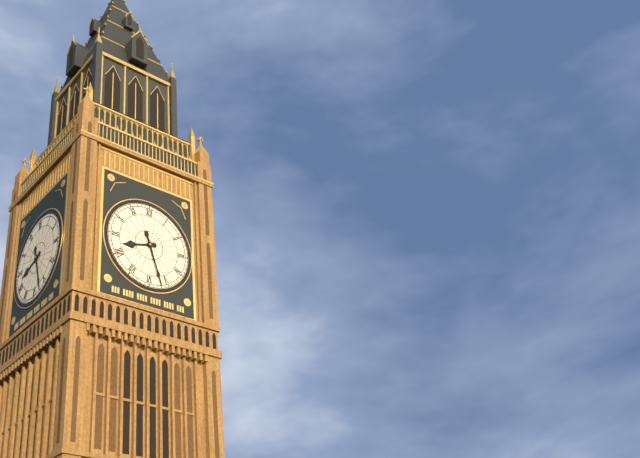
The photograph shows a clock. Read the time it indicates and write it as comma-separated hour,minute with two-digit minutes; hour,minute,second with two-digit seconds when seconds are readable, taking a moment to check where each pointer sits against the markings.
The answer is 8,27
